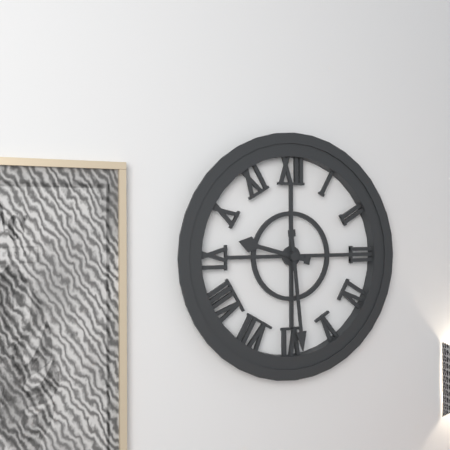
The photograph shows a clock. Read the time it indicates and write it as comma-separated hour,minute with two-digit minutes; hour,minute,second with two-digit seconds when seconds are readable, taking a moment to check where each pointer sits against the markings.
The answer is 9,29
